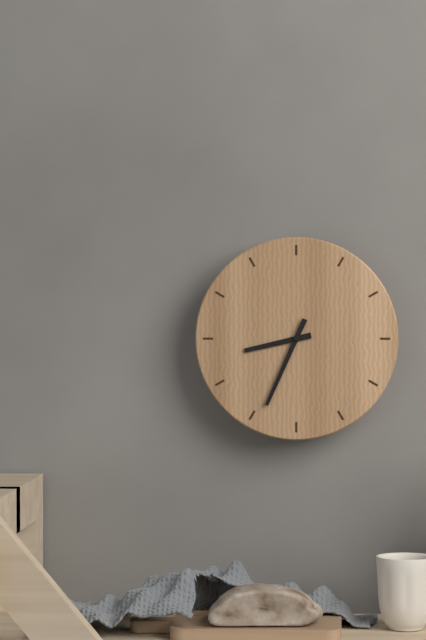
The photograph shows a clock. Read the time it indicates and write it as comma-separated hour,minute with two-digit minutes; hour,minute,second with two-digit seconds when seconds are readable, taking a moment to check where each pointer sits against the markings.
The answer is 8,34
